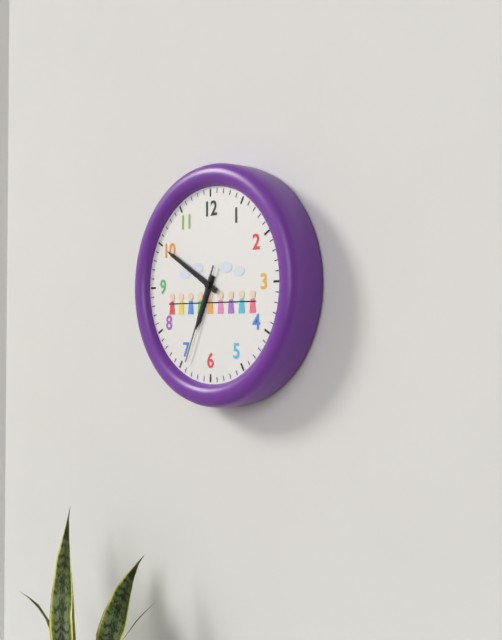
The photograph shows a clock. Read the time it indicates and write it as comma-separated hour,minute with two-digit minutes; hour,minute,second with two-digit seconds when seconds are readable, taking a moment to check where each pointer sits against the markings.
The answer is 6,50,34
